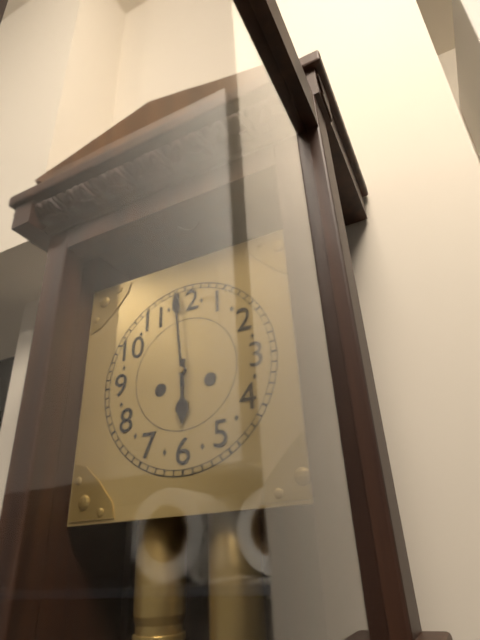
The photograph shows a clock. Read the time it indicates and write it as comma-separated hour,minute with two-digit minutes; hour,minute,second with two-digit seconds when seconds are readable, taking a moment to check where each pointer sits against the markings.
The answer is 5,59
